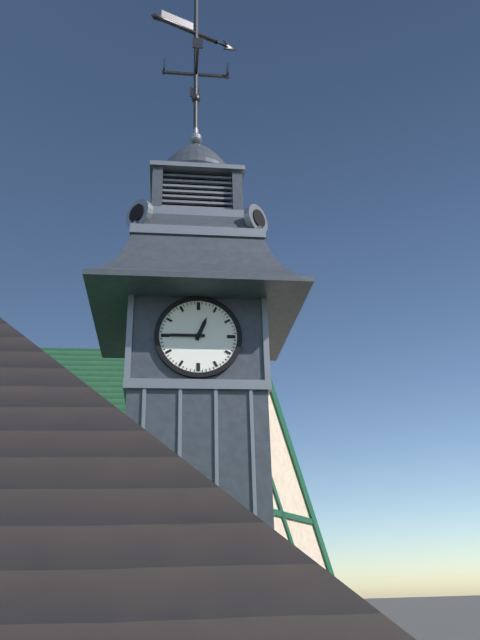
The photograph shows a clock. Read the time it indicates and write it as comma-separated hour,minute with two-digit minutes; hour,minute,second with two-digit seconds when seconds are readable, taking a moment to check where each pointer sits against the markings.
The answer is 12,45
